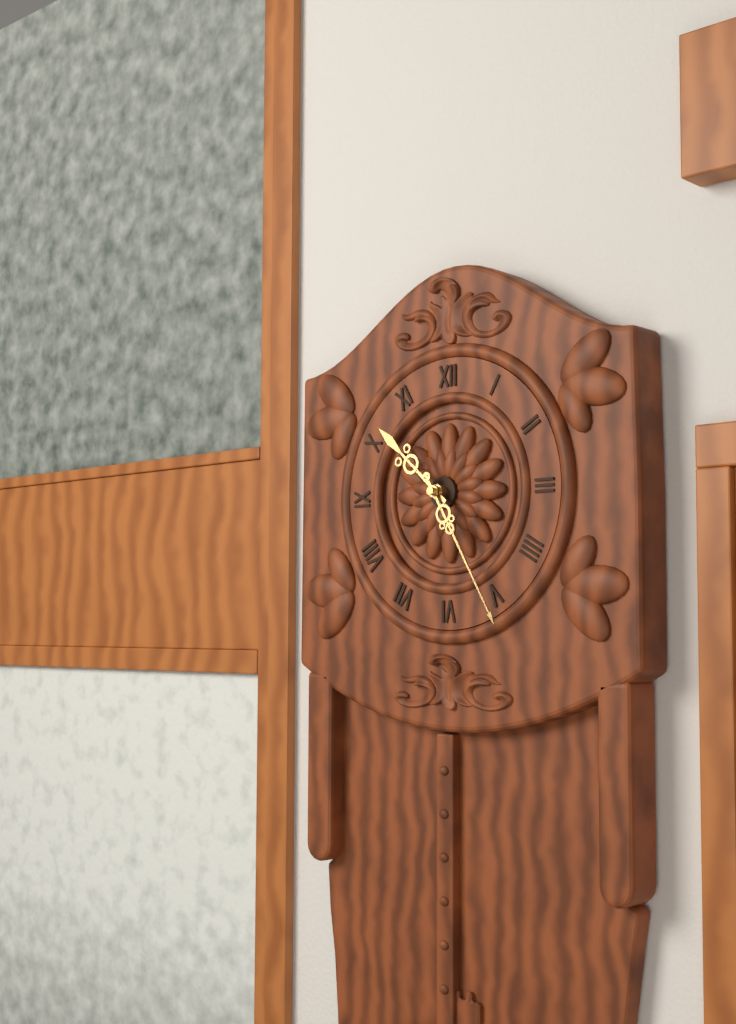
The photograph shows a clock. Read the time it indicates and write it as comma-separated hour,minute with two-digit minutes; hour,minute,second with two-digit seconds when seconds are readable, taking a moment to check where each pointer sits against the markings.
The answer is 10,25
